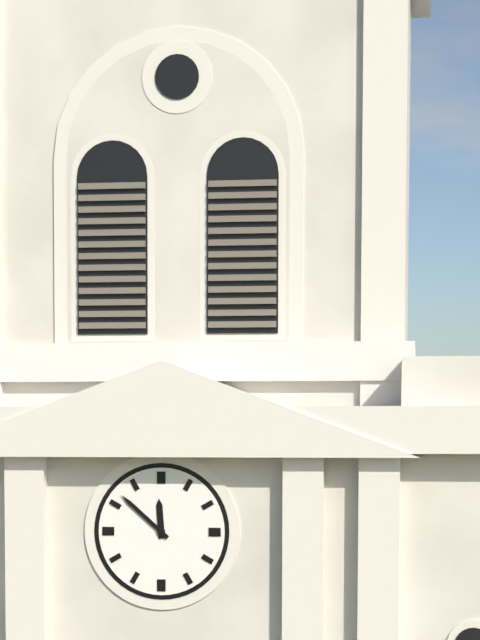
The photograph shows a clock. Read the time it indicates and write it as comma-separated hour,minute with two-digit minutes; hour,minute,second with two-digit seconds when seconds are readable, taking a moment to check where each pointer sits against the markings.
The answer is 11,52
